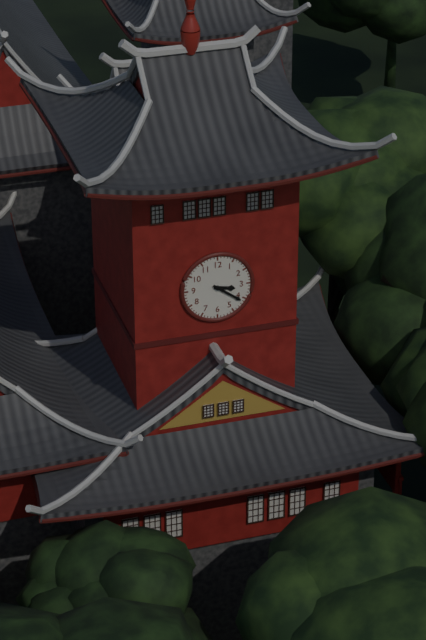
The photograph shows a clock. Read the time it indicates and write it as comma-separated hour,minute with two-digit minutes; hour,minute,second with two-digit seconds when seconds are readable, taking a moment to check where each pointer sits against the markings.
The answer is 3,21
